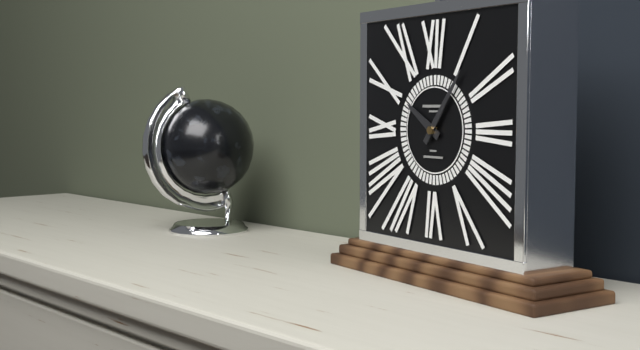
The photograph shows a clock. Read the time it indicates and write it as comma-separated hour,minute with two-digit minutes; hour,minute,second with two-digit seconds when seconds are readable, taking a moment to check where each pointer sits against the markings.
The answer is 10,06
